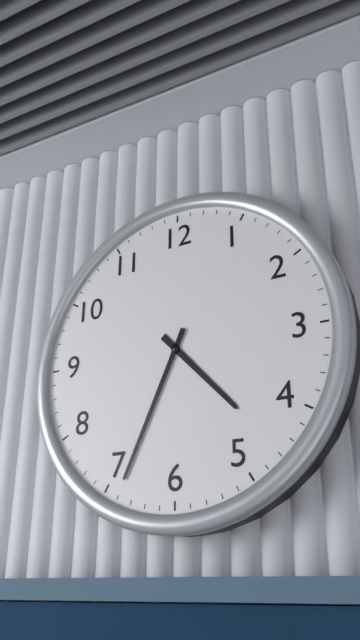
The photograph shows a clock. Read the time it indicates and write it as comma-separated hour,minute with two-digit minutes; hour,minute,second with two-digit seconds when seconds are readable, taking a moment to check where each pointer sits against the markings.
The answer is 4,34
